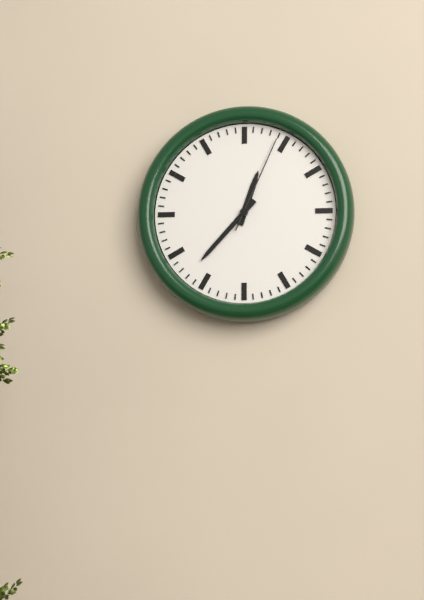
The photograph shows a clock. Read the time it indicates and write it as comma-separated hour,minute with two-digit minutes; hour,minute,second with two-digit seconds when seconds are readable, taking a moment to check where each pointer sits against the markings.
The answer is 12,37,04
